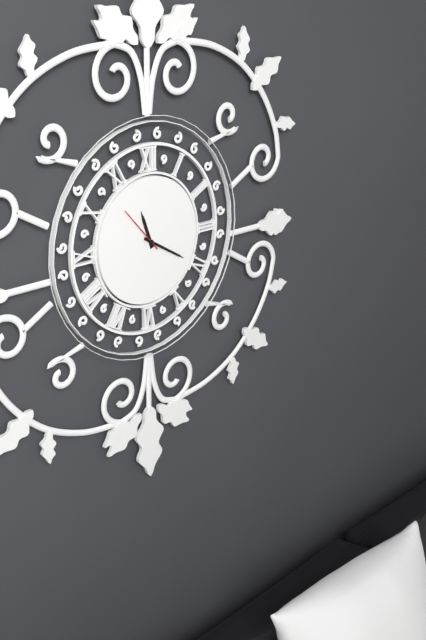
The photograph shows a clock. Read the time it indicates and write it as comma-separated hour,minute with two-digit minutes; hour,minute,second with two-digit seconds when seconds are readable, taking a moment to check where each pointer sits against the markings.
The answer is 11,20
